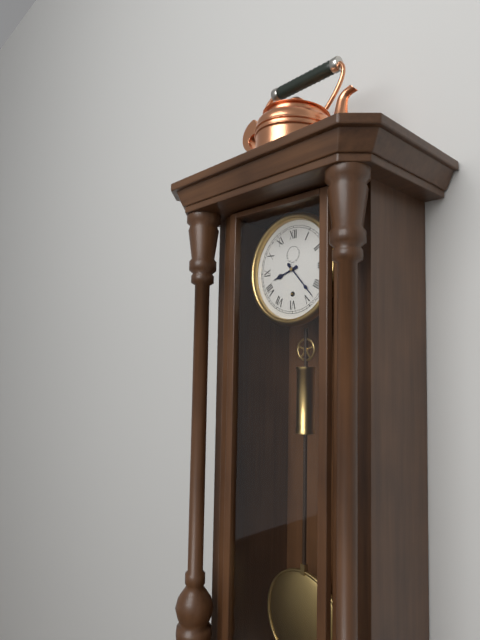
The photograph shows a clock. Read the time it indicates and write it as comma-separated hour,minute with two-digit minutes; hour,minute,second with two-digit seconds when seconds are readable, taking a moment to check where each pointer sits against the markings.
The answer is 8,23
